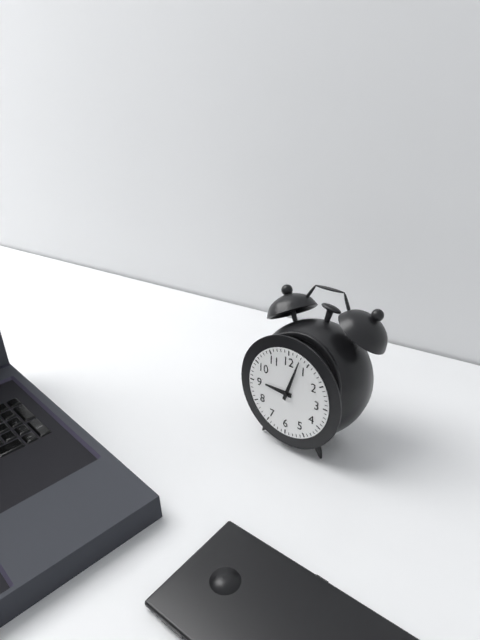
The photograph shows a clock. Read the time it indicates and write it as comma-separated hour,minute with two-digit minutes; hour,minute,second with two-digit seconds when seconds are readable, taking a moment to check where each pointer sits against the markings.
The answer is 9,03
